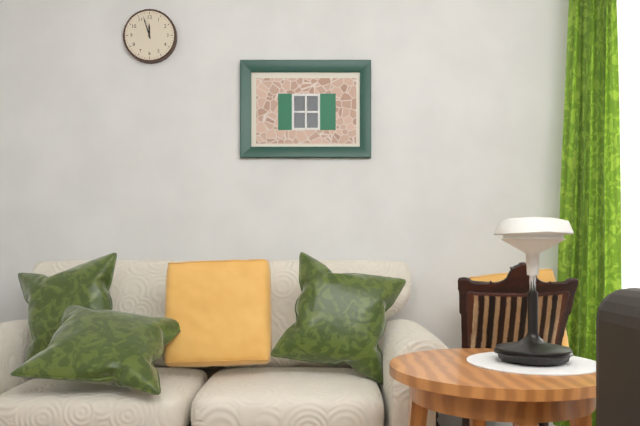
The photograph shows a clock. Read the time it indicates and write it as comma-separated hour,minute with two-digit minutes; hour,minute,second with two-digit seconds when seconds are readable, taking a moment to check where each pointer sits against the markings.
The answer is 11,57
